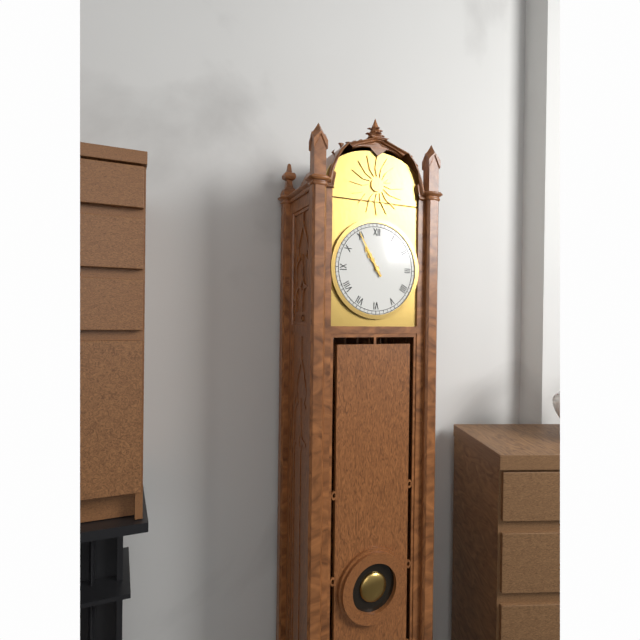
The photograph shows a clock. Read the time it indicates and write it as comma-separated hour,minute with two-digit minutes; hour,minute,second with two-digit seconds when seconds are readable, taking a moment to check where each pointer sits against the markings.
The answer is 10,55
